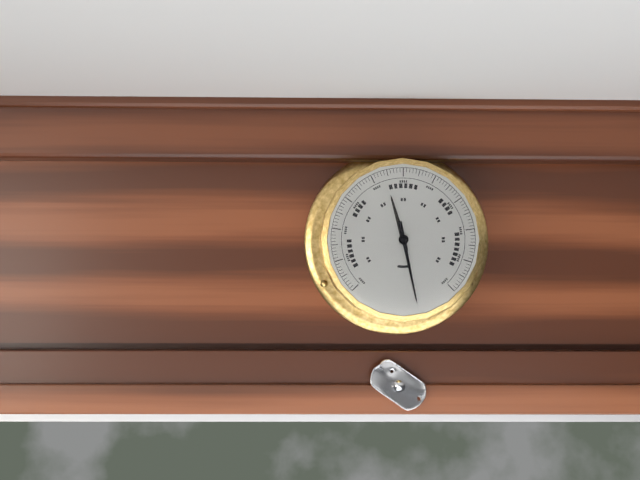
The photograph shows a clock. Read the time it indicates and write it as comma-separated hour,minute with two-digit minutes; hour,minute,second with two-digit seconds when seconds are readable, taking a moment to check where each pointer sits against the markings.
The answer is 11,28
